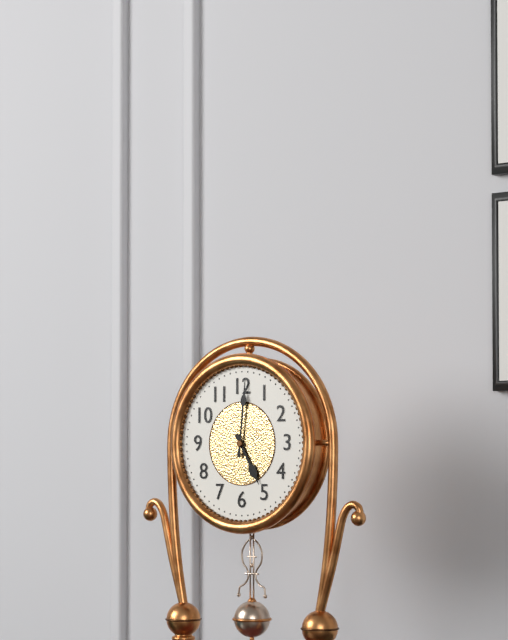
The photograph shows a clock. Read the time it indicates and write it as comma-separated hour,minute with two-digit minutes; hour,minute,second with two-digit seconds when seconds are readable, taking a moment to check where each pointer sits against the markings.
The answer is 5,01
